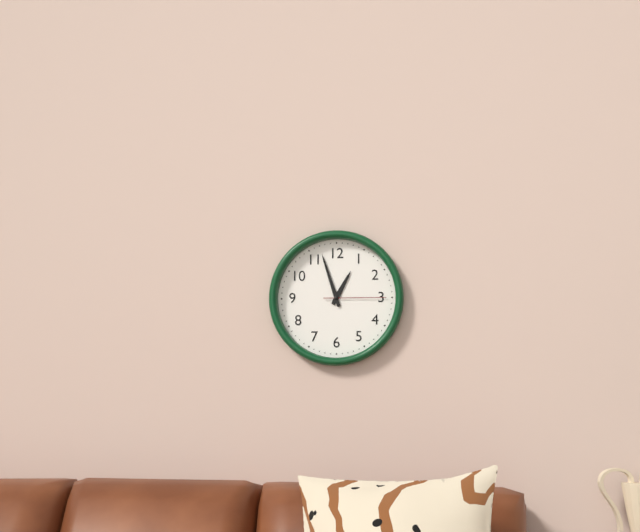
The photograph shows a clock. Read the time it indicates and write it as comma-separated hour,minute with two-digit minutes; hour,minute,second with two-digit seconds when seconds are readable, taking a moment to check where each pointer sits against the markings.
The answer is 12,57,15
